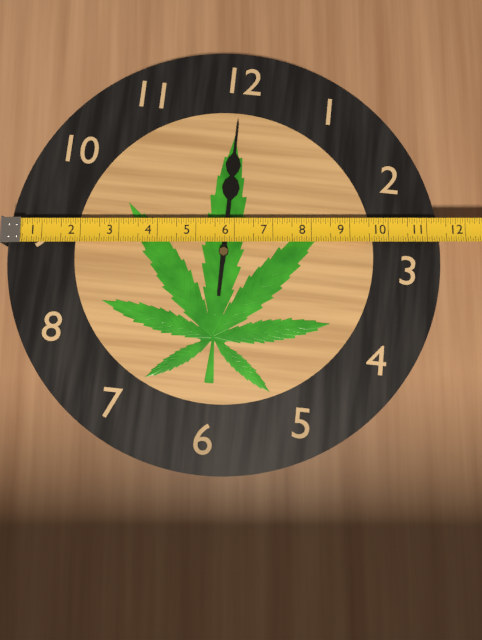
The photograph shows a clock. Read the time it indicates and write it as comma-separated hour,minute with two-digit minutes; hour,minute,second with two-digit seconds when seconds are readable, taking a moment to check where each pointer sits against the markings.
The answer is 12,00
